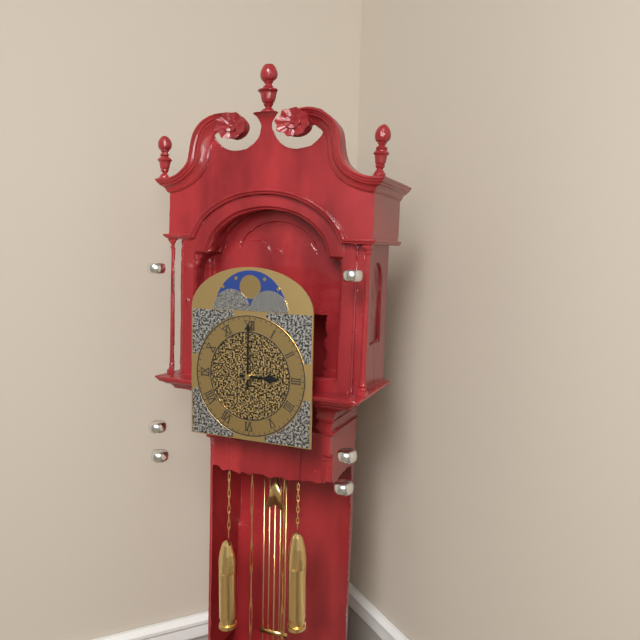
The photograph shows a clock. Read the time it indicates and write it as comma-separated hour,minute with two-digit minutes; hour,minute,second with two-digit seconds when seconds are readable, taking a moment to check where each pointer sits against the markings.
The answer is 3,00
